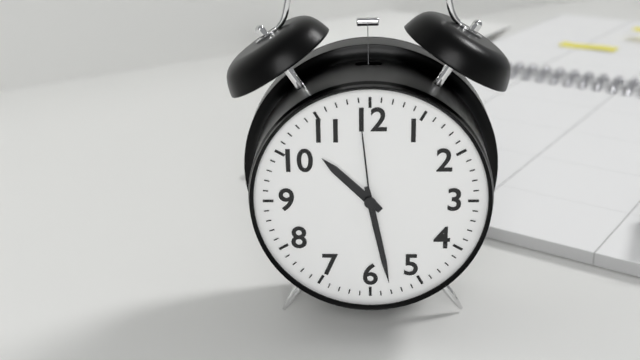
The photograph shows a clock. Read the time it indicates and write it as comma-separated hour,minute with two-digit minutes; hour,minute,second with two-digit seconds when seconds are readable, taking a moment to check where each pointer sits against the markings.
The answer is 10,28,59
